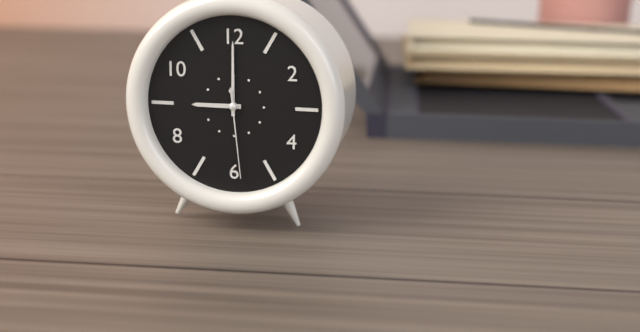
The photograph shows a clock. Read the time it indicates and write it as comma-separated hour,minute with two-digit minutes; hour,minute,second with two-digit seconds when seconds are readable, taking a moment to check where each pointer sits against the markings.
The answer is 9,00,29
